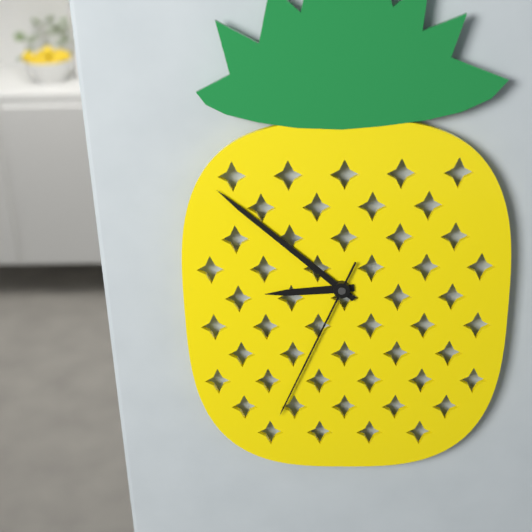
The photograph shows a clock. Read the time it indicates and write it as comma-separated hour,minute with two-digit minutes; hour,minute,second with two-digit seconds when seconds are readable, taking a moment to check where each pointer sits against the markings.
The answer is 8,52,34
